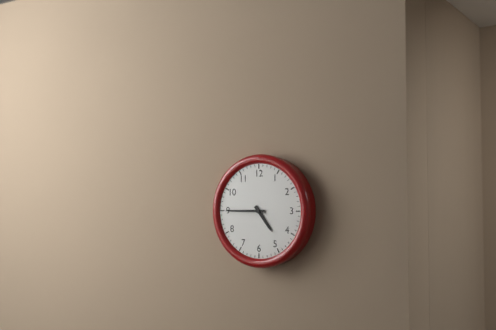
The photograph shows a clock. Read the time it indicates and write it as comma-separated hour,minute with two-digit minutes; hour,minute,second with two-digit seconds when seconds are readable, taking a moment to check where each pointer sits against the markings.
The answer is 4,45
